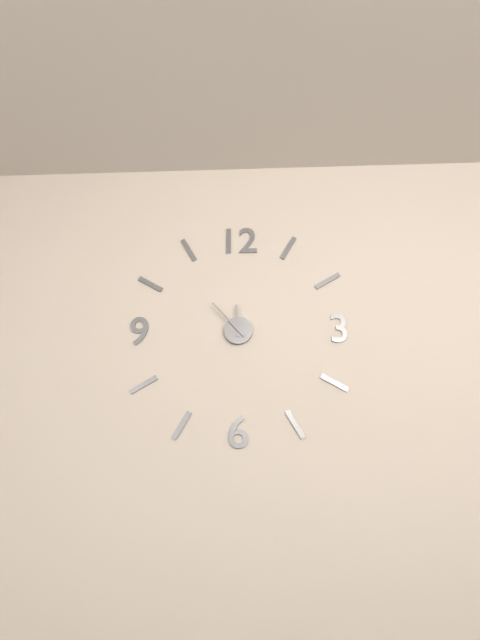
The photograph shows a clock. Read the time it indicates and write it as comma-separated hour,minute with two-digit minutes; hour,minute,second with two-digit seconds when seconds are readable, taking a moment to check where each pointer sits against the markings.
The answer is 11,53
